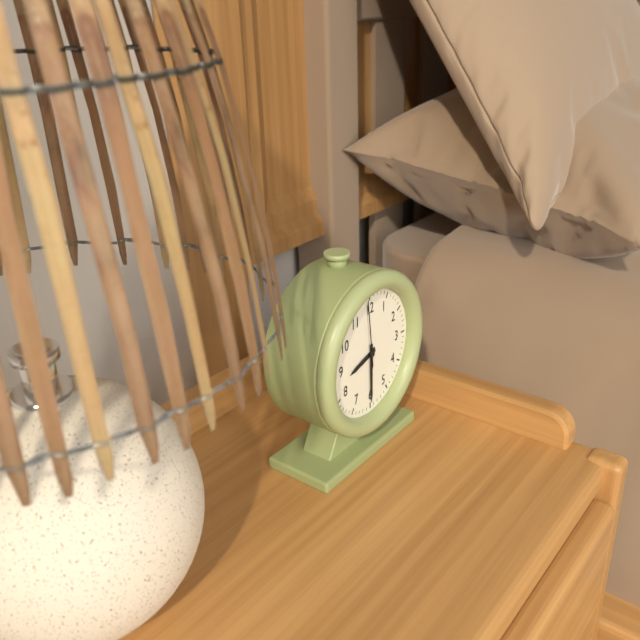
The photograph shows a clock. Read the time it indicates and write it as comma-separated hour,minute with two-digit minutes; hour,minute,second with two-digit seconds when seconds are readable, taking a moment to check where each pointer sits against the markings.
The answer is 8,30,59
